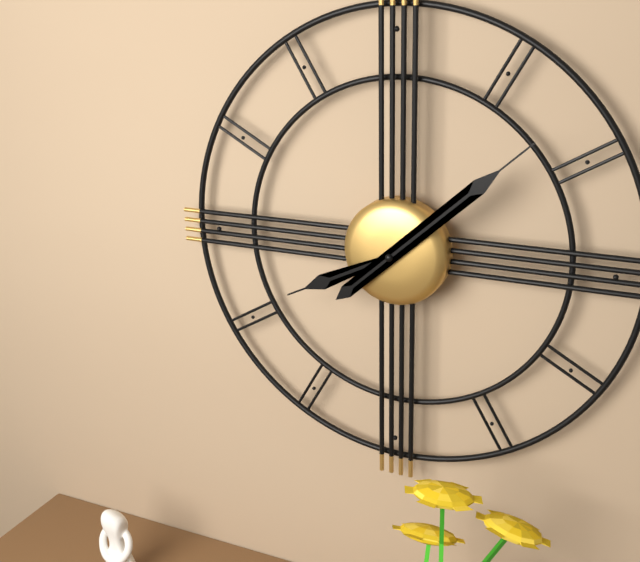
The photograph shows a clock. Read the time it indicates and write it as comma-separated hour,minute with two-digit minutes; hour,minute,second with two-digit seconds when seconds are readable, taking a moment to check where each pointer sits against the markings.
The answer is 8,08
